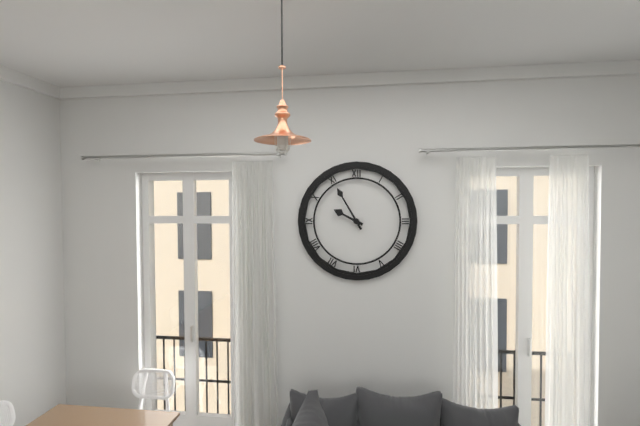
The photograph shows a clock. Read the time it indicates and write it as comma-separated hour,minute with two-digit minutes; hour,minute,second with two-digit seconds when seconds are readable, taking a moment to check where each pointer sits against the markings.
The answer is 9,55
